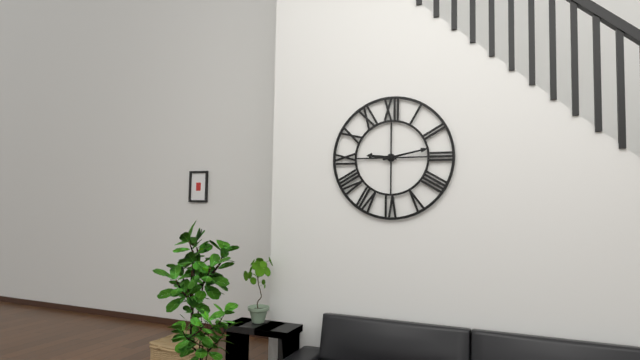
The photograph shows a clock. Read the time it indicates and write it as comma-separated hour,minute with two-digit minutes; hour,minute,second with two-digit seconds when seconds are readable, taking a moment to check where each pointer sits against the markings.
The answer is 9,13
